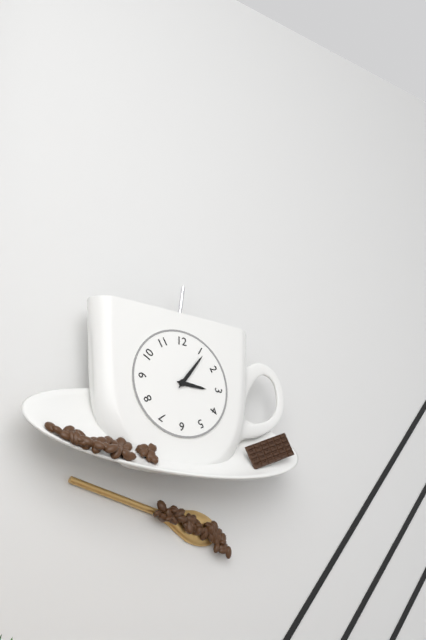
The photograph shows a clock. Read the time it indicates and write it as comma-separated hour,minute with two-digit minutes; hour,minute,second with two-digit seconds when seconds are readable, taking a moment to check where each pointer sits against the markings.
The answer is 3,06
